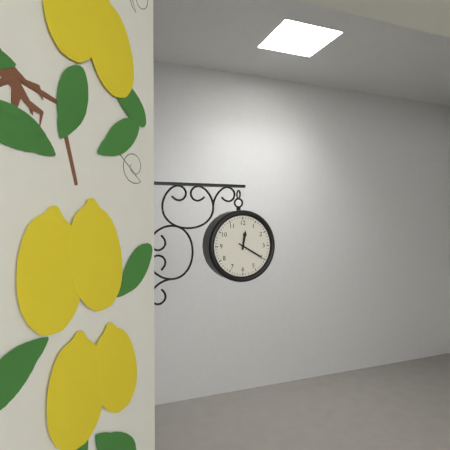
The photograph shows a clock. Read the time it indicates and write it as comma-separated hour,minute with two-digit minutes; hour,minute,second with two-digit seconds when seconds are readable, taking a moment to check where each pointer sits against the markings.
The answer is 12,20
